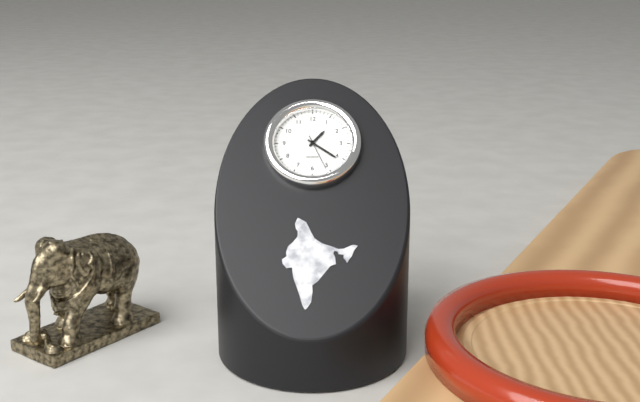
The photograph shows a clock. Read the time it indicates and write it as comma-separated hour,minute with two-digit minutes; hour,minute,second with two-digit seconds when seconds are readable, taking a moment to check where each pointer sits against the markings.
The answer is 1,21
